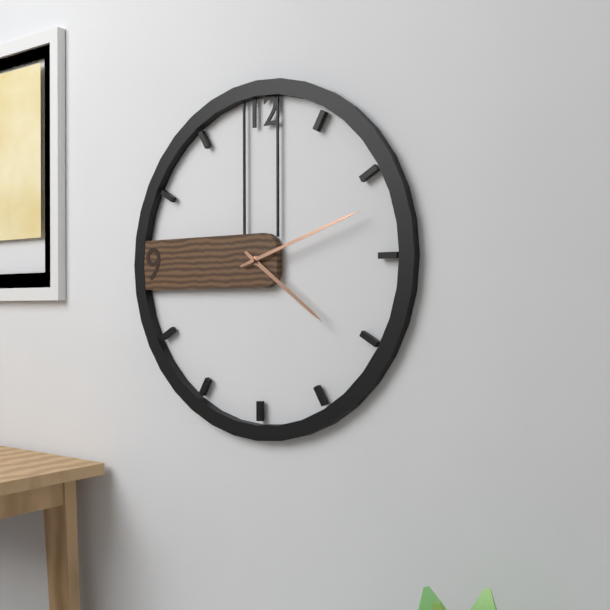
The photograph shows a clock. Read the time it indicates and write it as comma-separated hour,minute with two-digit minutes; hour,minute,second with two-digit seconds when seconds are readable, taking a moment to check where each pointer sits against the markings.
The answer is 4,12
